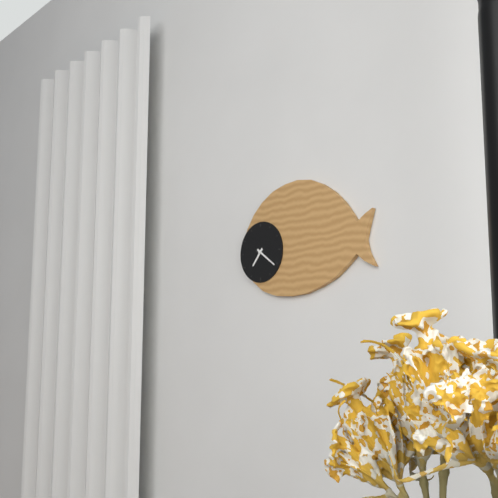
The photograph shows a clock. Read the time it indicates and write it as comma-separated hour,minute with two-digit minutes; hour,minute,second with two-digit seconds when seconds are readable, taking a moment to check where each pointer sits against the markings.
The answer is 7,21
